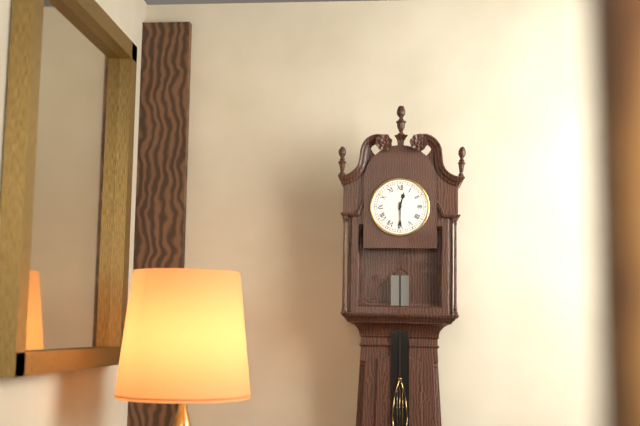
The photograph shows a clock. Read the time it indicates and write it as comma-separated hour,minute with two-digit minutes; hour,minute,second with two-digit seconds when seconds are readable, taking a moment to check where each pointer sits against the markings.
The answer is 12,30
